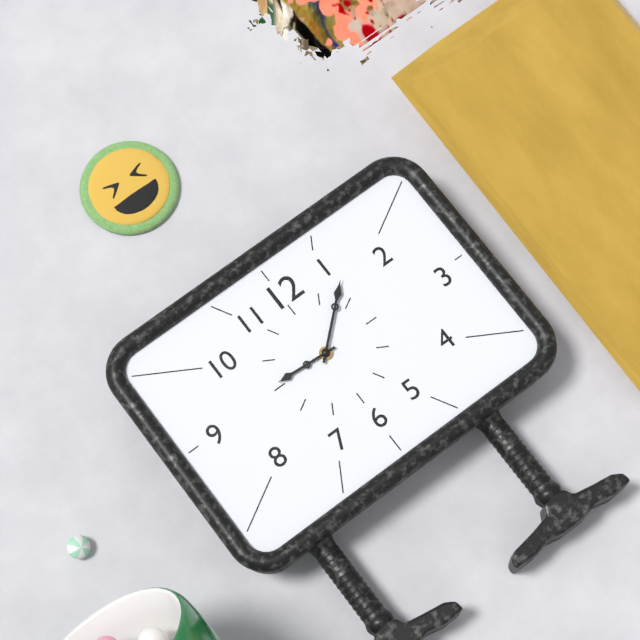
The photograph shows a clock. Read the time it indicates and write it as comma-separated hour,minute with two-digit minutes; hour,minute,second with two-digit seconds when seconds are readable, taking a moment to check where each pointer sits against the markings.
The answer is 9,08
